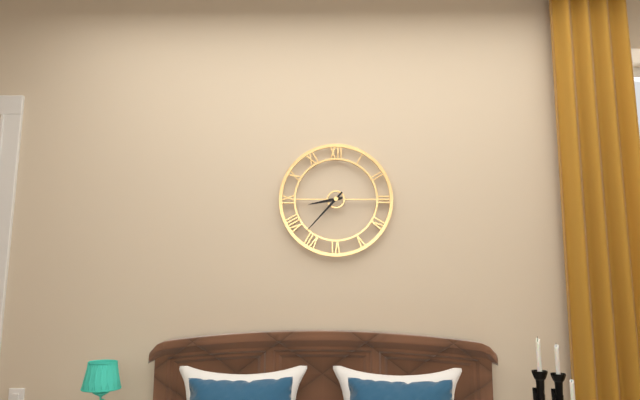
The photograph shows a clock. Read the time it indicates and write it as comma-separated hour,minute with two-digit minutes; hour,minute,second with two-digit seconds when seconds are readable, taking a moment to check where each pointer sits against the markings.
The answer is 8,37
